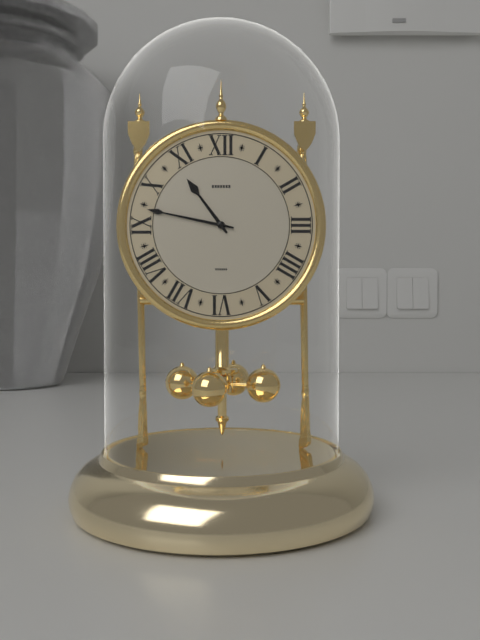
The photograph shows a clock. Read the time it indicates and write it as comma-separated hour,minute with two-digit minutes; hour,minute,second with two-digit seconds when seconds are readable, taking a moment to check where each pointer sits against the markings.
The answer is 10,47
